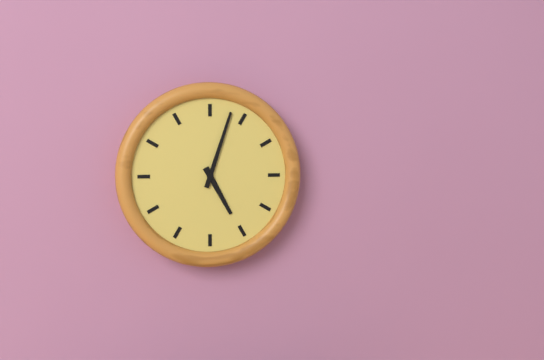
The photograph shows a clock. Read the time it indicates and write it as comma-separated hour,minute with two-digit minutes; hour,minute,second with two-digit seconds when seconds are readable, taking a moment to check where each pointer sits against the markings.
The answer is 5,03
